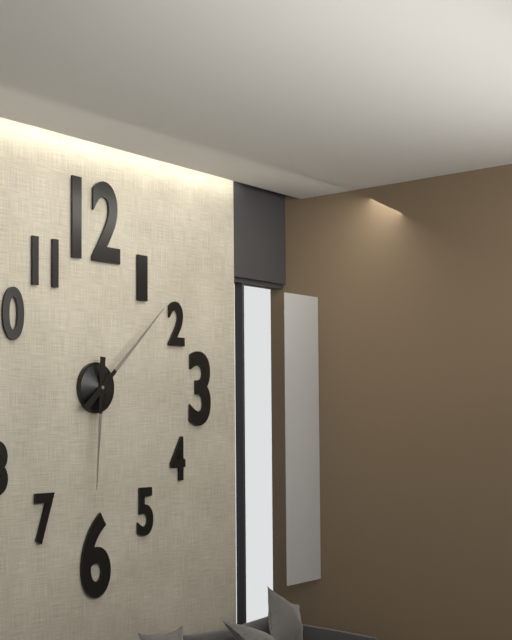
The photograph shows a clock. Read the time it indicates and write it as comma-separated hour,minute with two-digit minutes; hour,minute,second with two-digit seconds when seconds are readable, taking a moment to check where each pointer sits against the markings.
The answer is 6,08
